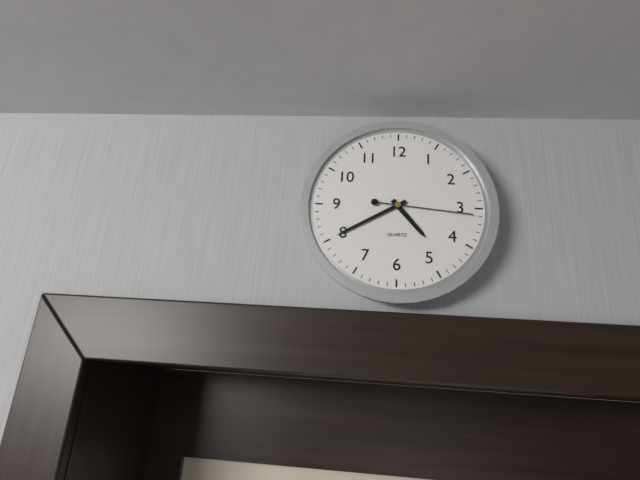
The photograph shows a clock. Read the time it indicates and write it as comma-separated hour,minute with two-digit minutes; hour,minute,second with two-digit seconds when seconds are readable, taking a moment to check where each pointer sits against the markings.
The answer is 4,40,16
